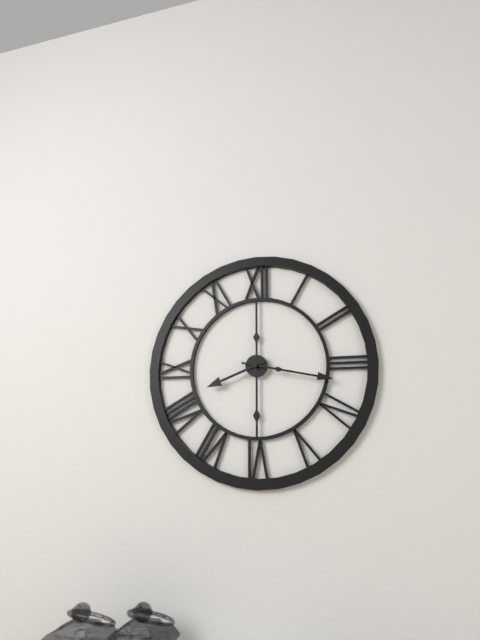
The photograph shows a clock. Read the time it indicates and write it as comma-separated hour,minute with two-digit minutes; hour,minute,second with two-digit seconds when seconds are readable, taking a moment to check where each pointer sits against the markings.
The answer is 8,17
